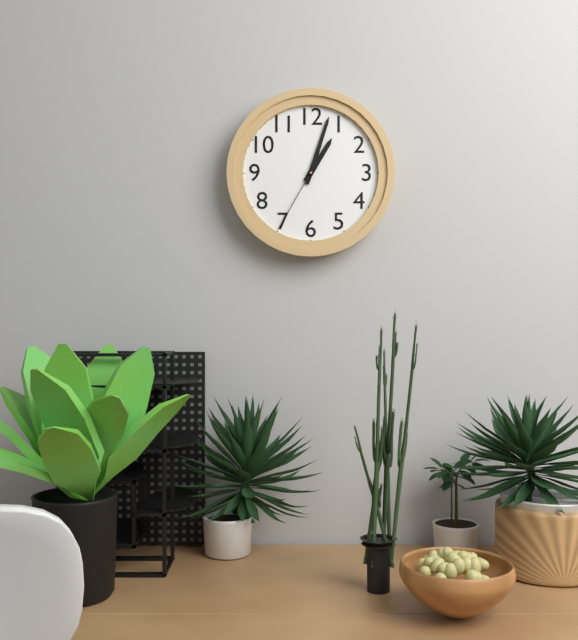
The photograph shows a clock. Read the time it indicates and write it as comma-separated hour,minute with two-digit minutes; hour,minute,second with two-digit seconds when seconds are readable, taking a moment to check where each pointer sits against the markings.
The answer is 1,03,35
